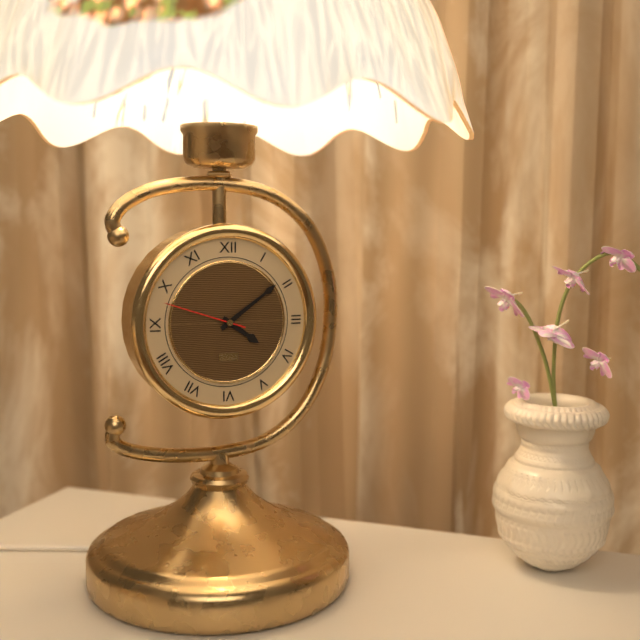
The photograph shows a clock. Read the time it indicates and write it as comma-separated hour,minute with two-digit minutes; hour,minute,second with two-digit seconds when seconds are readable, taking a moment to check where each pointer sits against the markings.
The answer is 4,09,48
